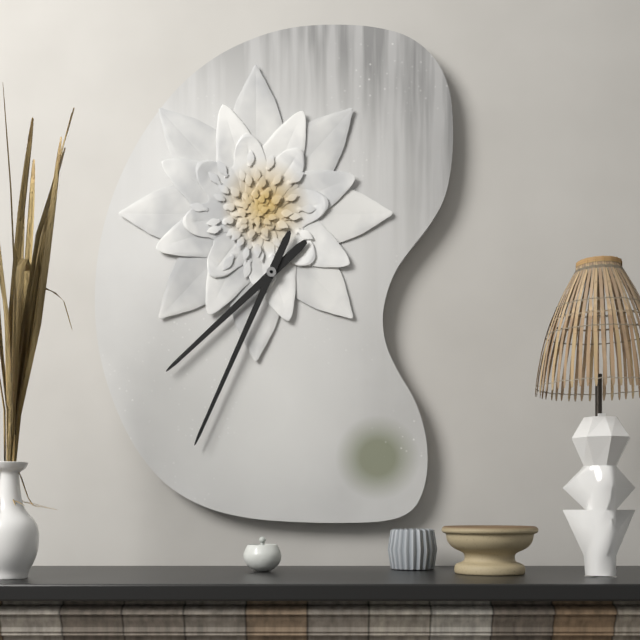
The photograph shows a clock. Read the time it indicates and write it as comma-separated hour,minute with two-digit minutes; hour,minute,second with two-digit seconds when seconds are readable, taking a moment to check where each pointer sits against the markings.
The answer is 7,34
